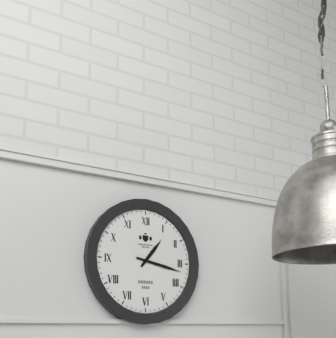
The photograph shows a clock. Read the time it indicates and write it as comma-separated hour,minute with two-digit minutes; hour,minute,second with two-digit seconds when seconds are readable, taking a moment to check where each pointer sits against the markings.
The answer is 1,17
